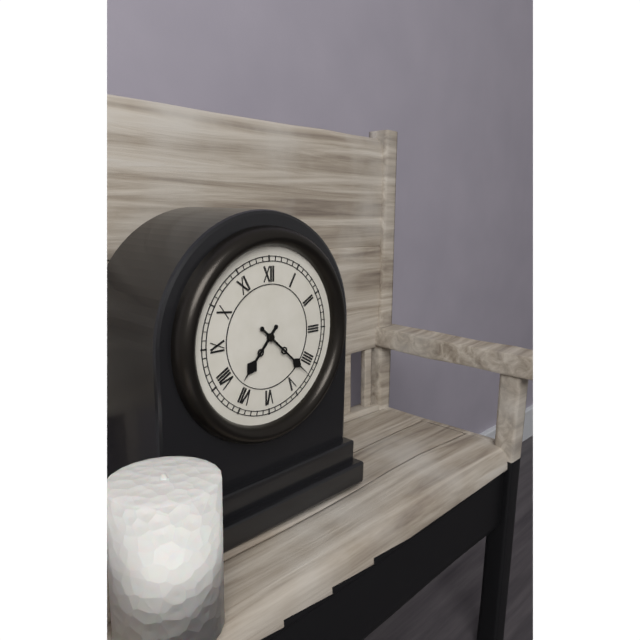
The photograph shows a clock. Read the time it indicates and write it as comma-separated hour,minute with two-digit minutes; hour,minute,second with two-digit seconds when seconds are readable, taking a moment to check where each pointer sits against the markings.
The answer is 7,22
